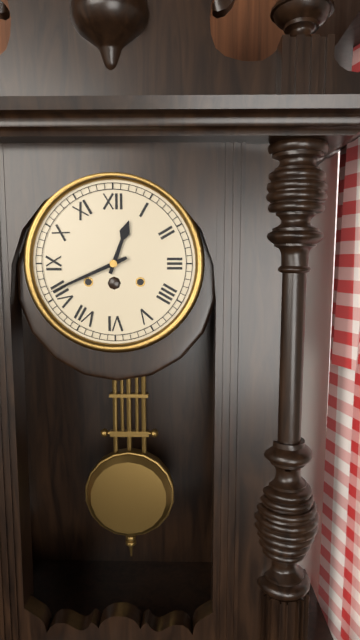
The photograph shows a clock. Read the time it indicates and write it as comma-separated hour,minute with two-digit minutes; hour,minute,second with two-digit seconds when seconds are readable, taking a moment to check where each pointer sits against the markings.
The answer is 12,41
